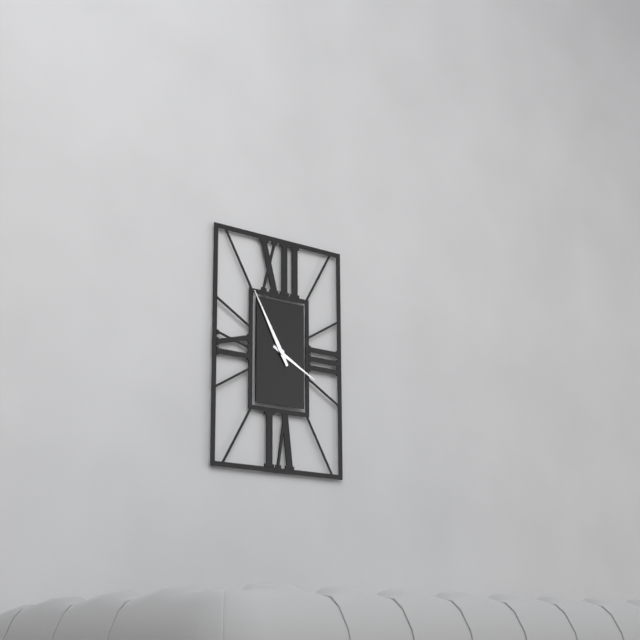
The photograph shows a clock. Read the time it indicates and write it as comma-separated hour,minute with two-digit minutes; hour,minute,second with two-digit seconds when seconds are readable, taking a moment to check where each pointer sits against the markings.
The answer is 3,55
